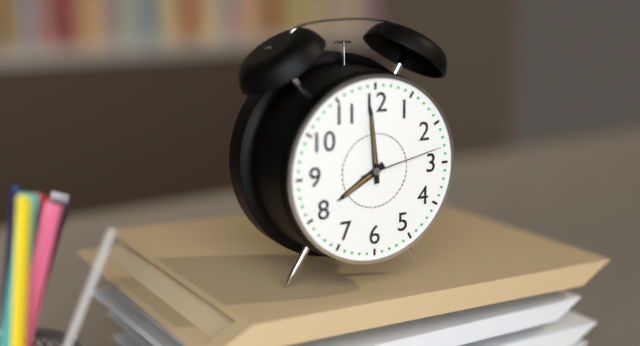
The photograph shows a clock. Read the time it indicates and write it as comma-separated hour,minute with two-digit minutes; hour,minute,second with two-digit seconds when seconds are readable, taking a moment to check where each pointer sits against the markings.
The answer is 7,59,13
